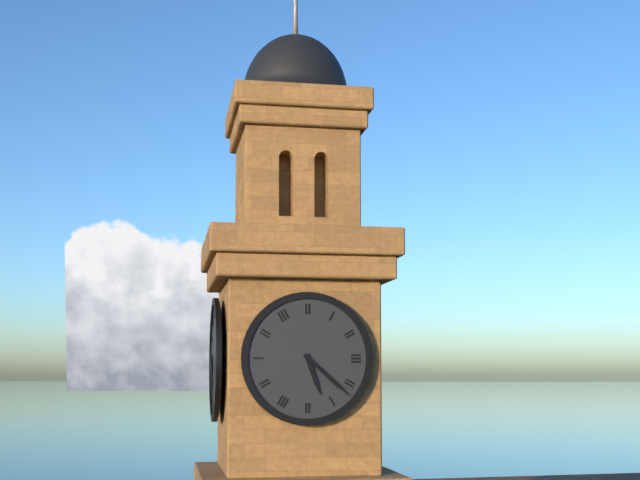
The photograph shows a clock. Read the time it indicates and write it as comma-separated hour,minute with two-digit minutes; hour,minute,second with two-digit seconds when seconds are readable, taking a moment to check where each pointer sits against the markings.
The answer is 5,22
